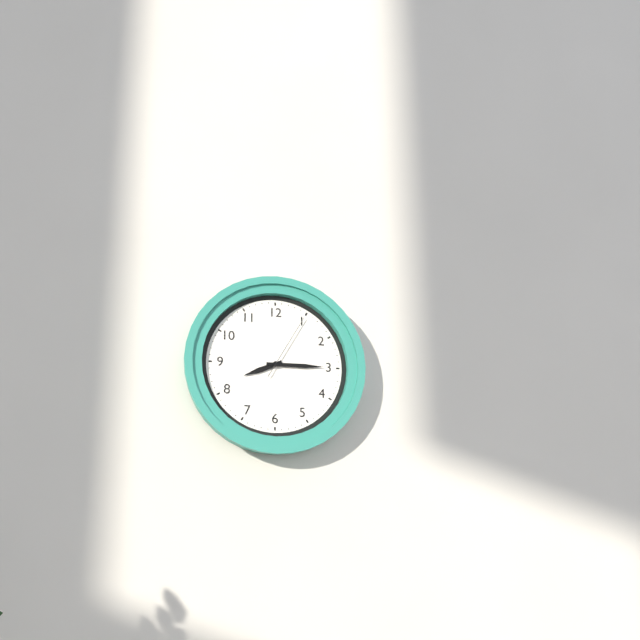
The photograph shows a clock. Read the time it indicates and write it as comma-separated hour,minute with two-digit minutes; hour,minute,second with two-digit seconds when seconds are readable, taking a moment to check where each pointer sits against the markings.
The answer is 8,15,05
